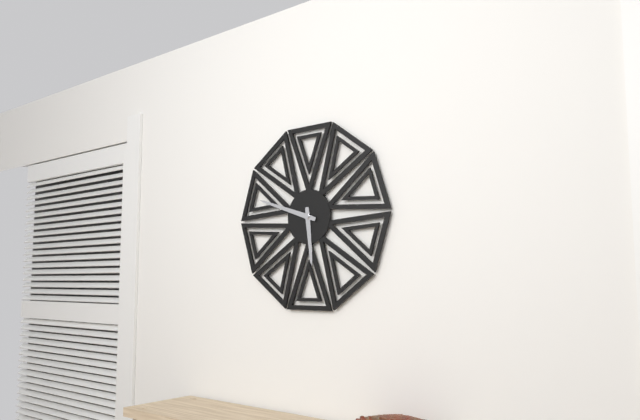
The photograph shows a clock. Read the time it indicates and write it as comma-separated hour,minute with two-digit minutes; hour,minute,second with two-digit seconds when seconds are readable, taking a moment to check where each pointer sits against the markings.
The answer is 5,48
